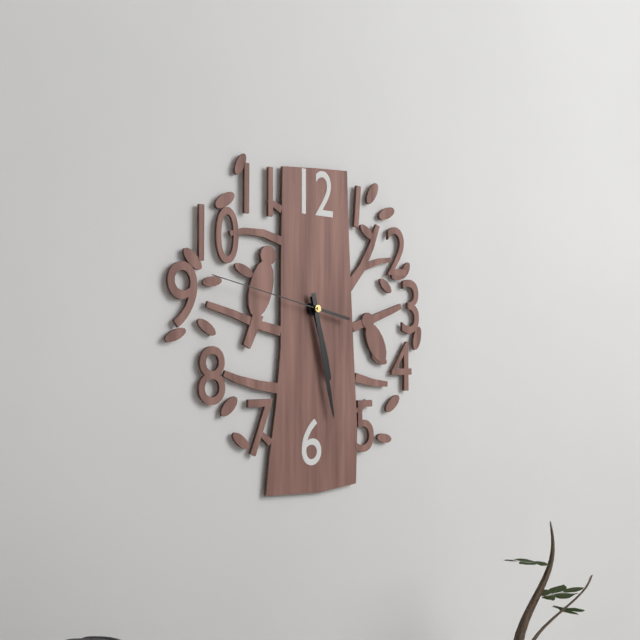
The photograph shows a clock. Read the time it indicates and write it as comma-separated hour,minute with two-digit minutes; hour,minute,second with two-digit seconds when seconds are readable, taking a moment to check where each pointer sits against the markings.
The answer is 5,28,47
